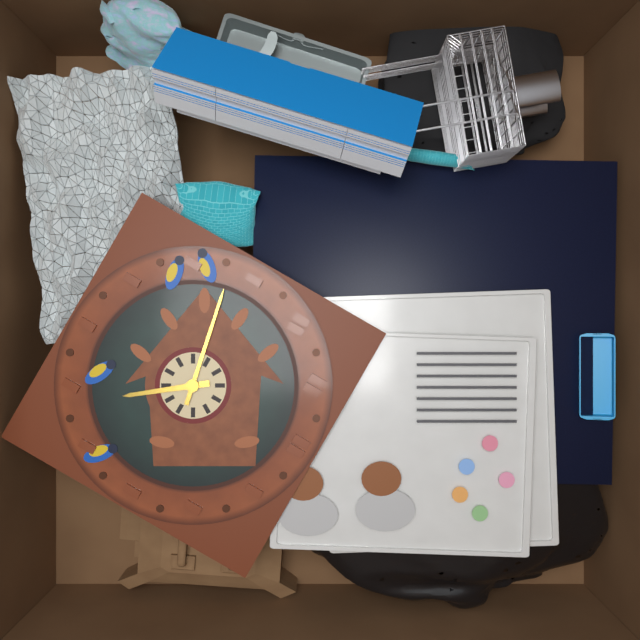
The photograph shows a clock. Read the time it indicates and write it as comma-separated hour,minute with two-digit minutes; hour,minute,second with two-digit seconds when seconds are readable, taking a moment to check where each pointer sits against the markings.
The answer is 4,43
